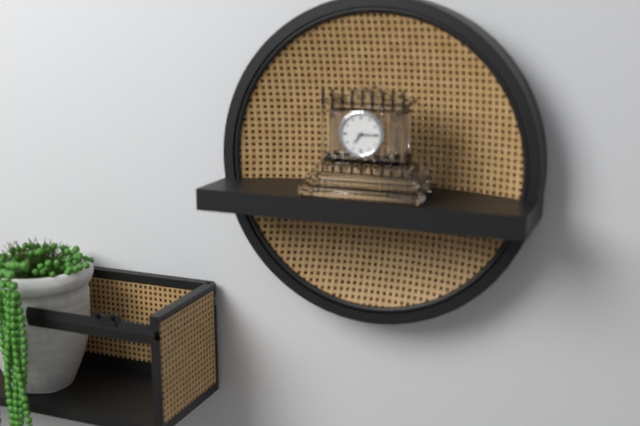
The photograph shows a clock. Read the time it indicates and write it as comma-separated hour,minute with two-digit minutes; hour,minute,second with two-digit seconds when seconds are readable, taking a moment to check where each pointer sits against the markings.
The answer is 7,15
